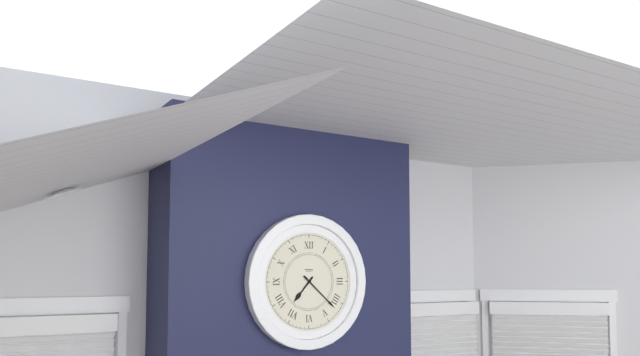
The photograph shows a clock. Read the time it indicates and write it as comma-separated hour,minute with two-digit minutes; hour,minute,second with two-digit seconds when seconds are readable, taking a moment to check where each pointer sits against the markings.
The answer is 7,22
